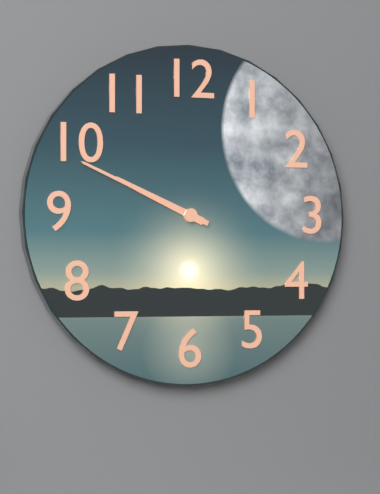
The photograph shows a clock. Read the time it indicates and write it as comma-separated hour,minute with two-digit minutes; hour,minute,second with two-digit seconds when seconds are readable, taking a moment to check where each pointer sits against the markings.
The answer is 9,49
